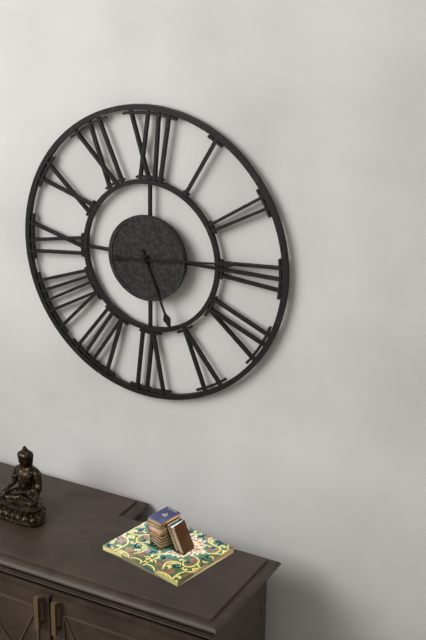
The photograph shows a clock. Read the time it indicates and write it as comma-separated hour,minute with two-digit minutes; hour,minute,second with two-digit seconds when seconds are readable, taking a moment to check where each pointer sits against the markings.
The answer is 5,14
